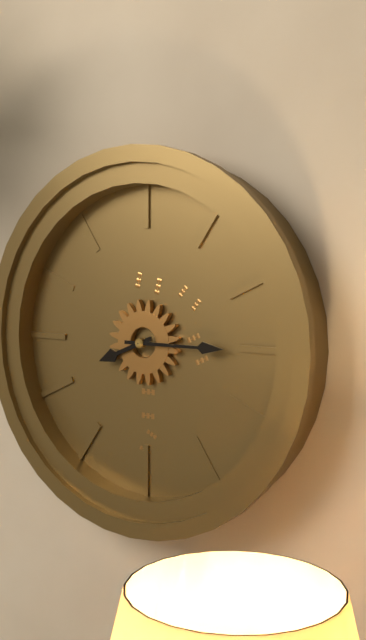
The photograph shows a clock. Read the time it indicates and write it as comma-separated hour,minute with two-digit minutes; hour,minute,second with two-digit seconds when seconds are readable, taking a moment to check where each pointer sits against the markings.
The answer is 8,15
